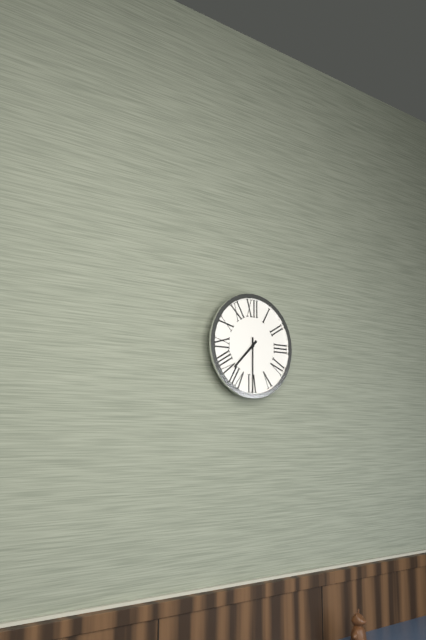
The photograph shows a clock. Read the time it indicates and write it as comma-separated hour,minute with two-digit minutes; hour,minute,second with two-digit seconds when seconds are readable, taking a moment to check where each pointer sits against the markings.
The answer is 7,30
